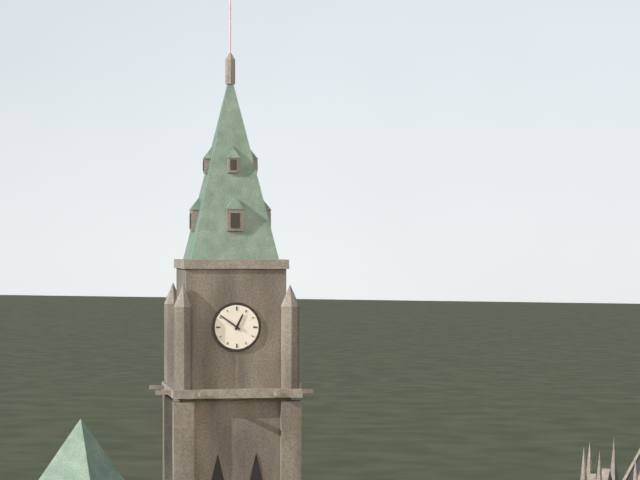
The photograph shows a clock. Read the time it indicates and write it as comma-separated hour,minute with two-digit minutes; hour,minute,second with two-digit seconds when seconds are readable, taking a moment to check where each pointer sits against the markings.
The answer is 12,51
